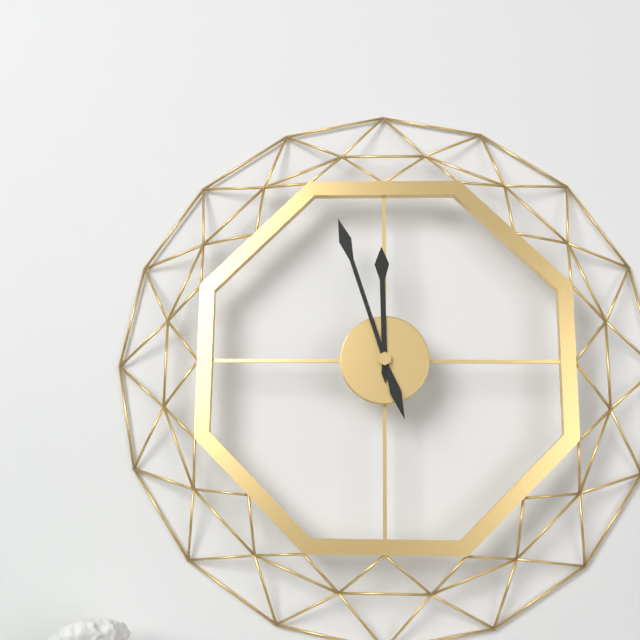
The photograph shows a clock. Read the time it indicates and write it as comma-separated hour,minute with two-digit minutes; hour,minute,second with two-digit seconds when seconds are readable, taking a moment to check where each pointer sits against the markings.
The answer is 11,57
